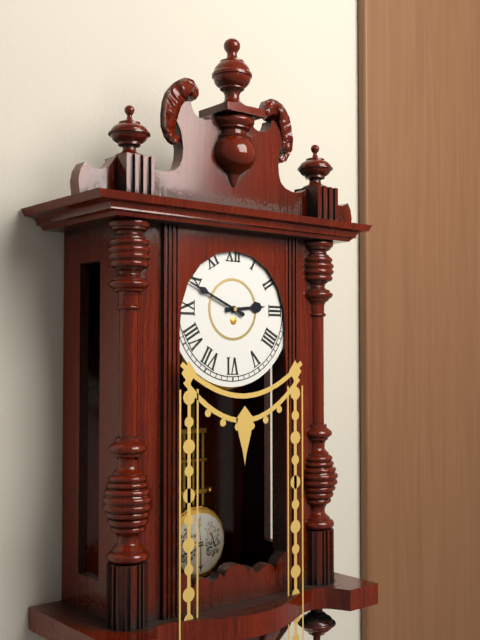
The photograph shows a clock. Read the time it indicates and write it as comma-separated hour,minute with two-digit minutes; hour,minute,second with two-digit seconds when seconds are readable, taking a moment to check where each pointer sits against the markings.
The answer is 2,49
